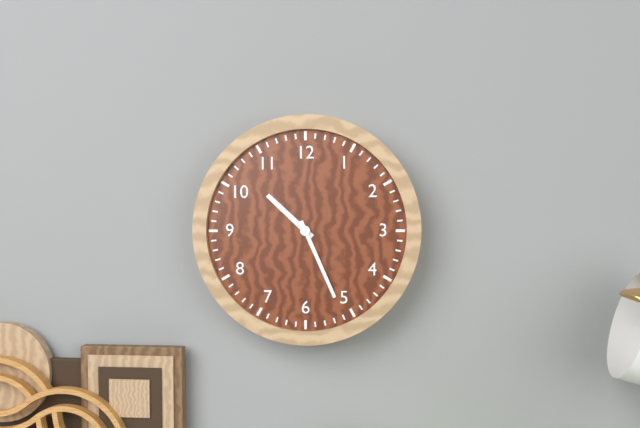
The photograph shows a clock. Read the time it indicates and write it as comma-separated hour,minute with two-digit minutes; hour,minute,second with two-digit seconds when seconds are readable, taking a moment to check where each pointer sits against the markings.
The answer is 10,26
